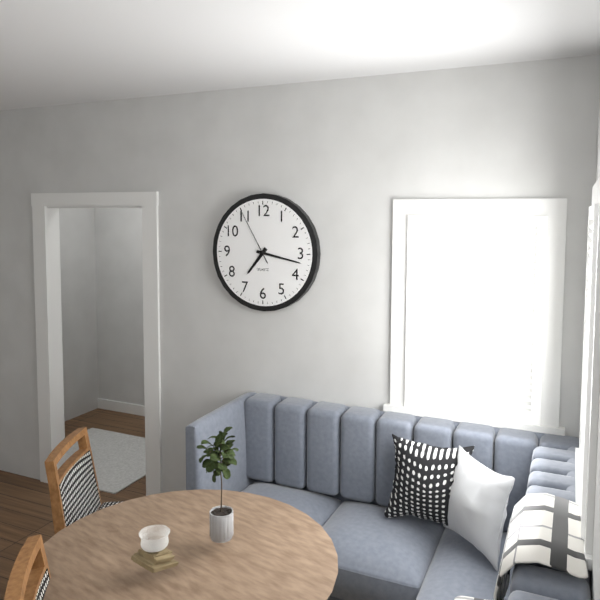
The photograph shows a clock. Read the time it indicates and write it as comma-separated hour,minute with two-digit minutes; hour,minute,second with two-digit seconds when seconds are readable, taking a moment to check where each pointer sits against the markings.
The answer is 7,17,55
